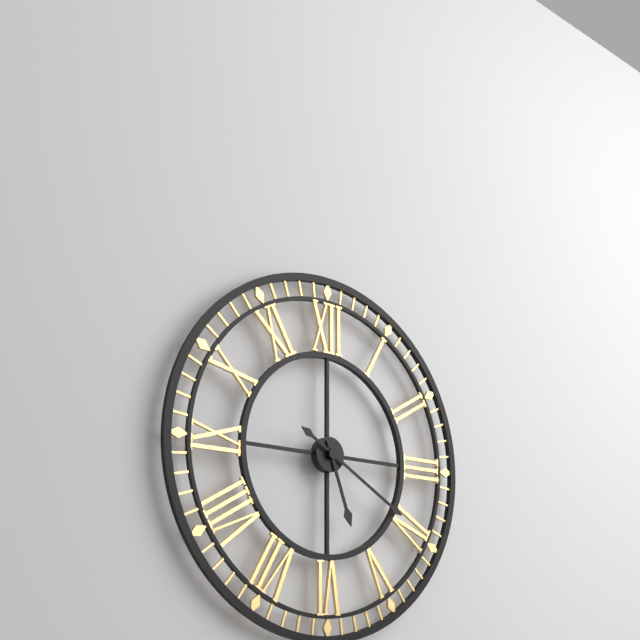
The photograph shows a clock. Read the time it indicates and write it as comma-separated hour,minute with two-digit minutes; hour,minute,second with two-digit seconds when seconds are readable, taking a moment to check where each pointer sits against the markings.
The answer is 5,20
